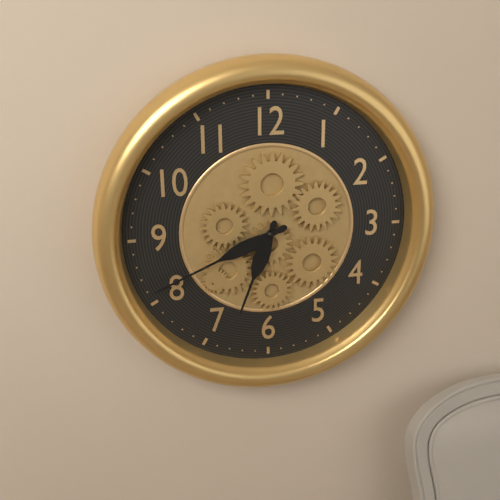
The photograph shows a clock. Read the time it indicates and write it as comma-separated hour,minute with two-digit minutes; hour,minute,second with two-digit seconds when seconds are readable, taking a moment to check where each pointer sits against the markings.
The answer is 6,41
